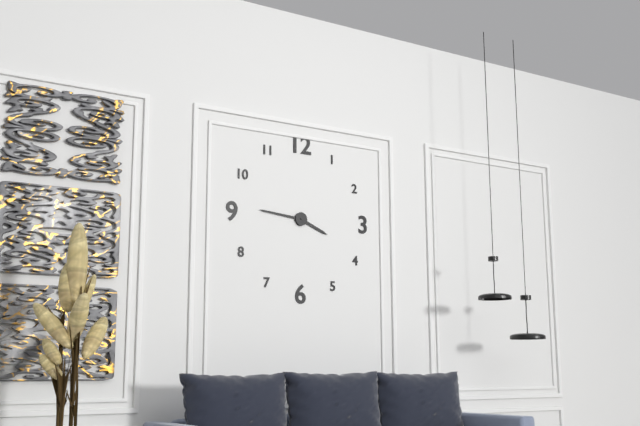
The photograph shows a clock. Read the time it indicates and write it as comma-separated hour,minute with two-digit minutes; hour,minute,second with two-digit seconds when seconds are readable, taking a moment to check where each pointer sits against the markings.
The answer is 3,46
